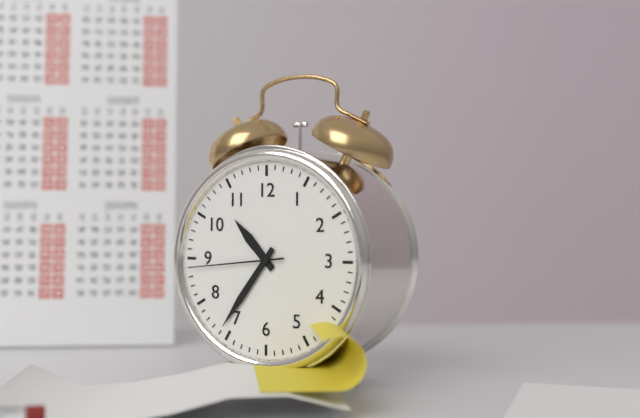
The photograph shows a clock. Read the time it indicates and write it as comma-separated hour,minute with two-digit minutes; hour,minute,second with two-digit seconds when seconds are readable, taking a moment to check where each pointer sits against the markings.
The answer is 10,36,44
